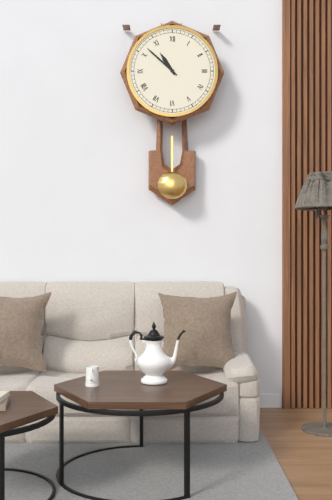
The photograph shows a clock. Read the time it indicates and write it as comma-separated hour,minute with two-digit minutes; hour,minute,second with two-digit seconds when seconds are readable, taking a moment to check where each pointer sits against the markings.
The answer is 10,52
